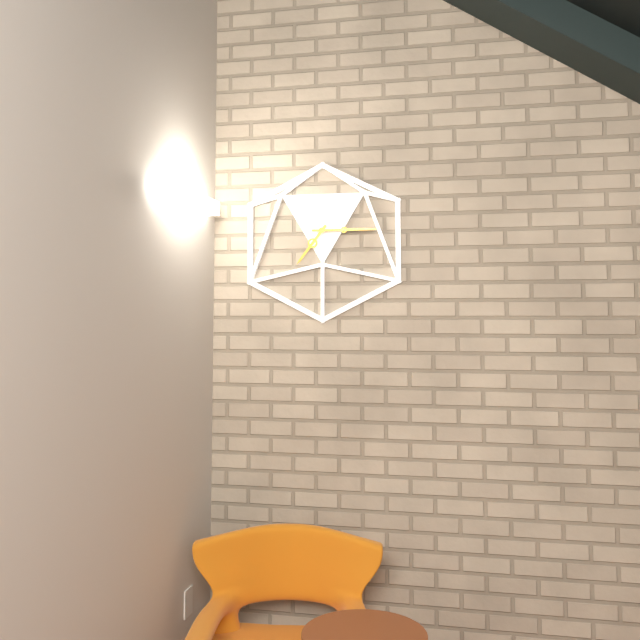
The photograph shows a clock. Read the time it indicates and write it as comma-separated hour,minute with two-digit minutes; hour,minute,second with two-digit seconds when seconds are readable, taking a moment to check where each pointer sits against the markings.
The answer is 7,15
